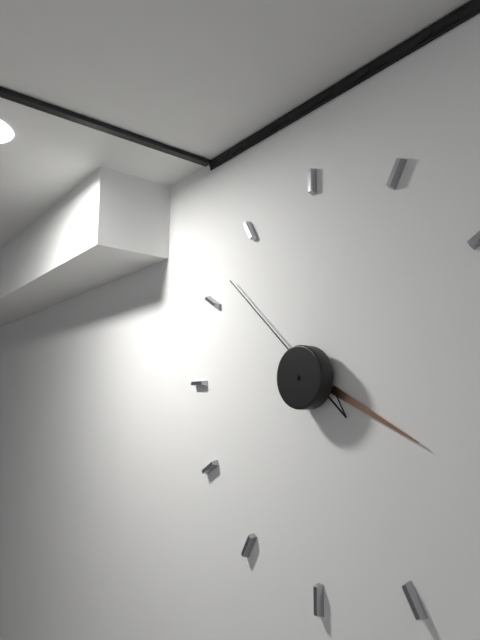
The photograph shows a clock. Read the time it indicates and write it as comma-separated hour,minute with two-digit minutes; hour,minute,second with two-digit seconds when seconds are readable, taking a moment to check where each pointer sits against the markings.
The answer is 3,52
